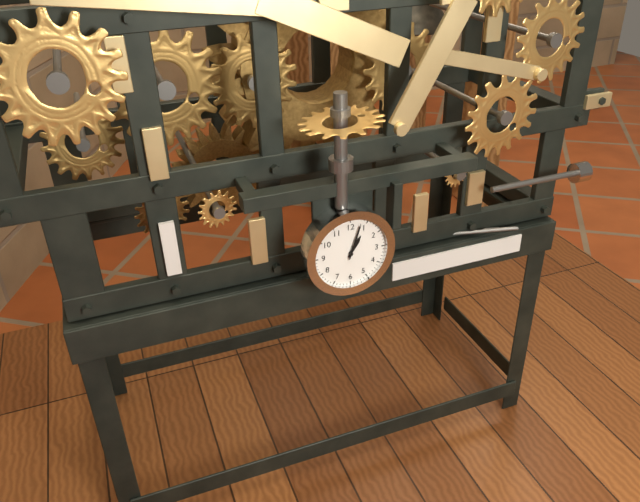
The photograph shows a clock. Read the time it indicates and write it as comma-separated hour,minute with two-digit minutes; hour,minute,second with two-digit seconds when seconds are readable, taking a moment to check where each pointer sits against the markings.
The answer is 1,03
